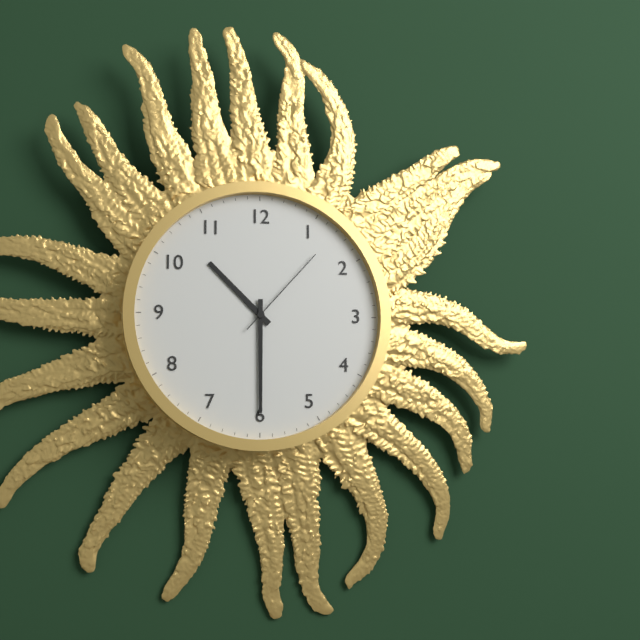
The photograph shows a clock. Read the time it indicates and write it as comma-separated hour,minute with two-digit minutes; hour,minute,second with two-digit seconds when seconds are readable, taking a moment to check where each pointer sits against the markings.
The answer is 10,30,07
